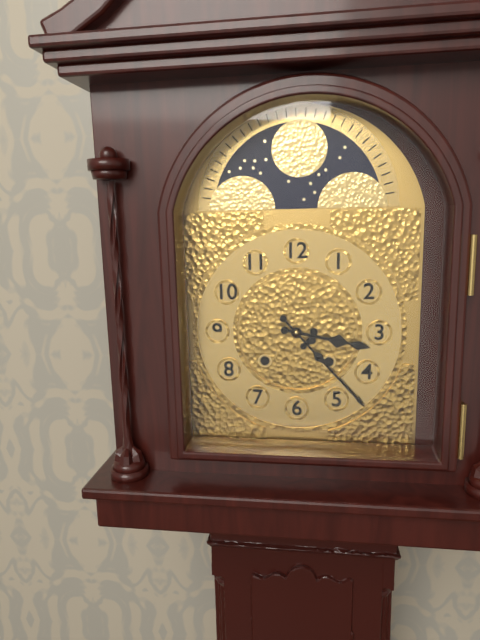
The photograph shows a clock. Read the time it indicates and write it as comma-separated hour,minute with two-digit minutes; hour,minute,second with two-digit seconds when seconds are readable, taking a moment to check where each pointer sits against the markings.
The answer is 3,23
